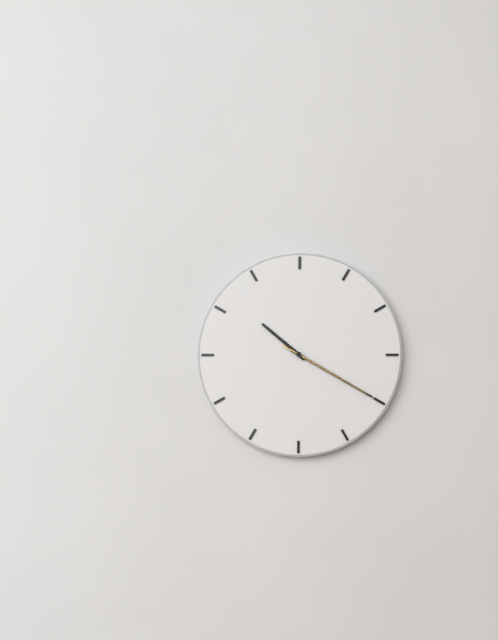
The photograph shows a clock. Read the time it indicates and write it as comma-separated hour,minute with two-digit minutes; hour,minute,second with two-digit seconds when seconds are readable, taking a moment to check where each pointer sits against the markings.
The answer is 10,20,20
